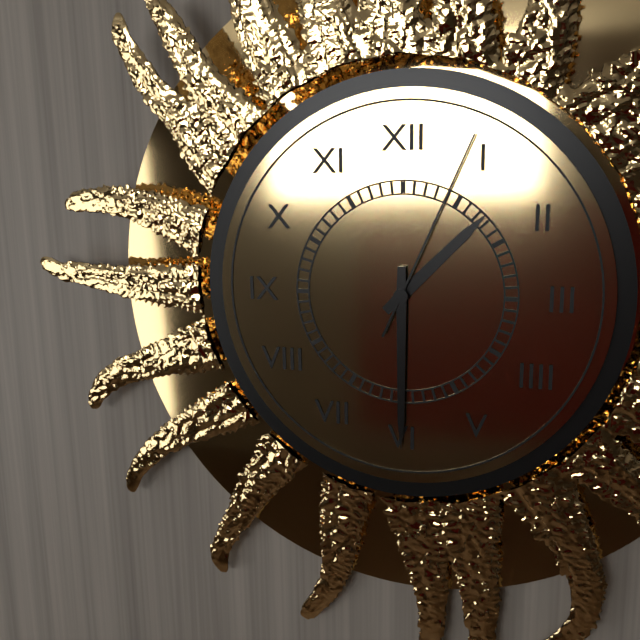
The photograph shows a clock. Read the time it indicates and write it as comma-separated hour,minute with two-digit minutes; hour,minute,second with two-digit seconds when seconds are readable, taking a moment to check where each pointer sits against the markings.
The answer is 1,30,04
